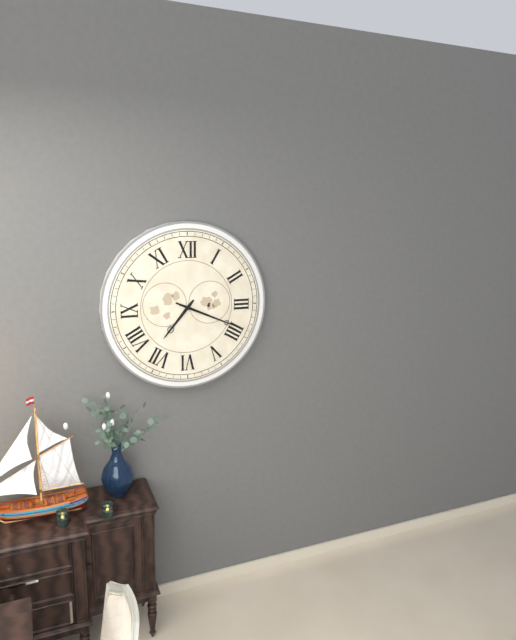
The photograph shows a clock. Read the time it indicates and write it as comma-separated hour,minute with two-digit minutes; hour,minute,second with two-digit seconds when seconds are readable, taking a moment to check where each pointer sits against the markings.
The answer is 7,19
